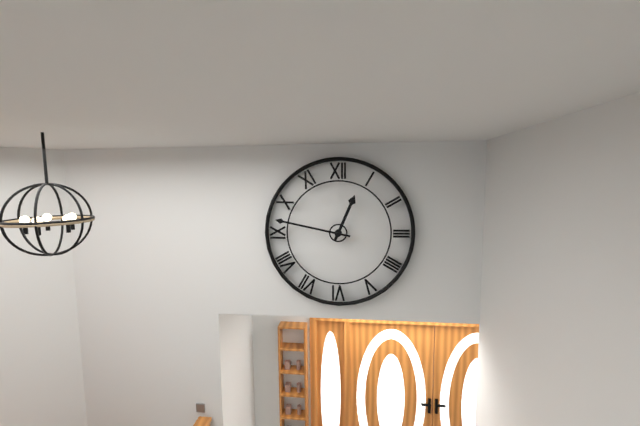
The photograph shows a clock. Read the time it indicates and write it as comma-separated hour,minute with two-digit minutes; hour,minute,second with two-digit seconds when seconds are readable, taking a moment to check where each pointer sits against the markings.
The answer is 12,47
